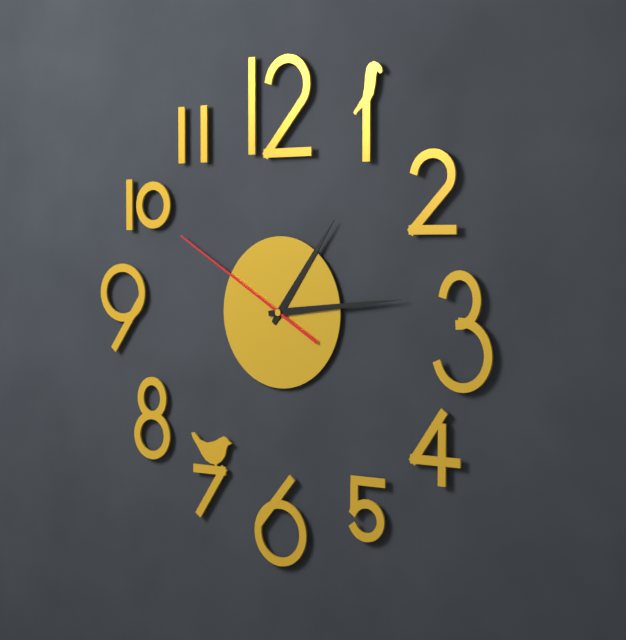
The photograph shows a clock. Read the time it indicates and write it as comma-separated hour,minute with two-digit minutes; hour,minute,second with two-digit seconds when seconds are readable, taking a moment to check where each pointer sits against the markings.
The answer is 1,14,50
